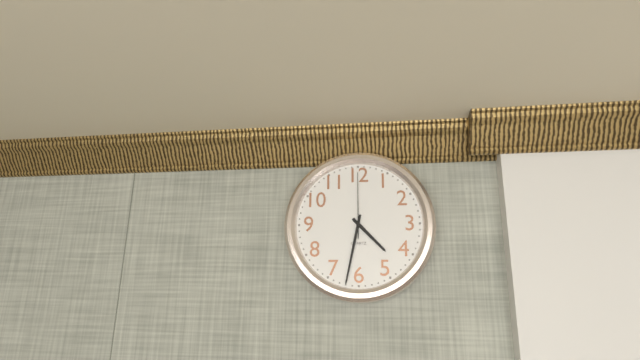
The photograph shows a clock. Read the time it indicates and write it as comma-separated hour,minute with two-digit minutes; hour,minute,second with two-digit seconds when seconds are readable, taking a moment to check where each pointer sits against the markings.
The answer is 4,32,00
